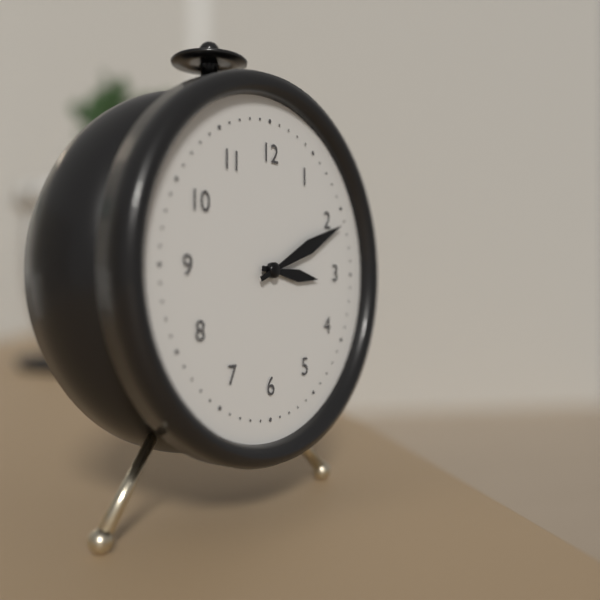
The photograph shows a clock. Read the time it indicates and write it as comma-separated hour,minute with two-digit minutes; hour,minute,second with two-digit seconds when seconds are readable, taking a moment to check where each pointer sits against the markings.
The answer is 3,11
